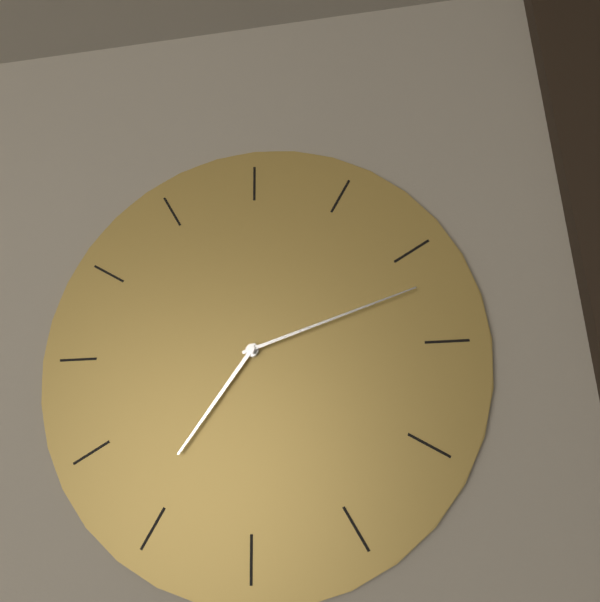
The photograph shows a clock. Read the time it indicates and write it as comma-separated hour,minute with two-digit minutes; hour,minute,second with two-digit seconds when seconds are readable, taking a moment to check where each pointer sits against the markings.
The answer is 7,12
